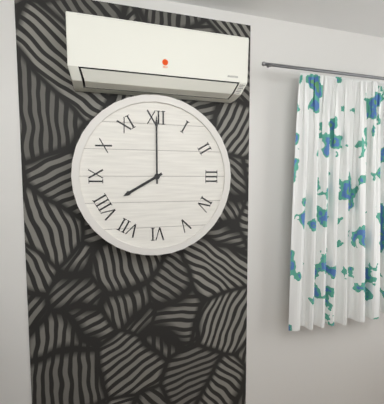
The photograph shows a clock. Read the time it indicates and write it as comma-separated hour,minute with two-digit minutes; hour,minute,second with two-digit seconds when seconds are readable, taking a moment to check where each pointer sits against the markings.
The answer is 8,00
